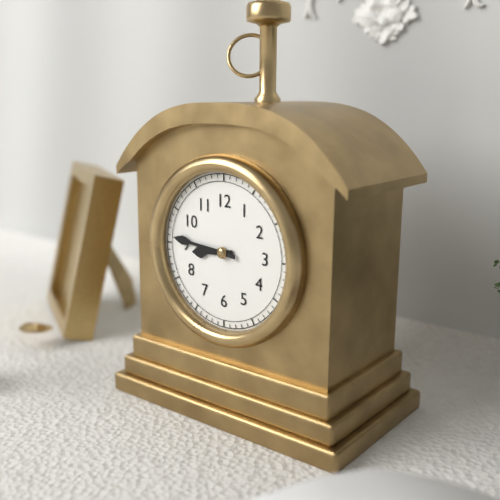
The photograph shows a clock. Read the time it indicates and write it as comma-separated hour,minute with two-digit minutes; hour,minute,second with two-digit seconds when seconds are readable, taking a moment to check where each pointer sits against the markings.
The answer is 8,46
